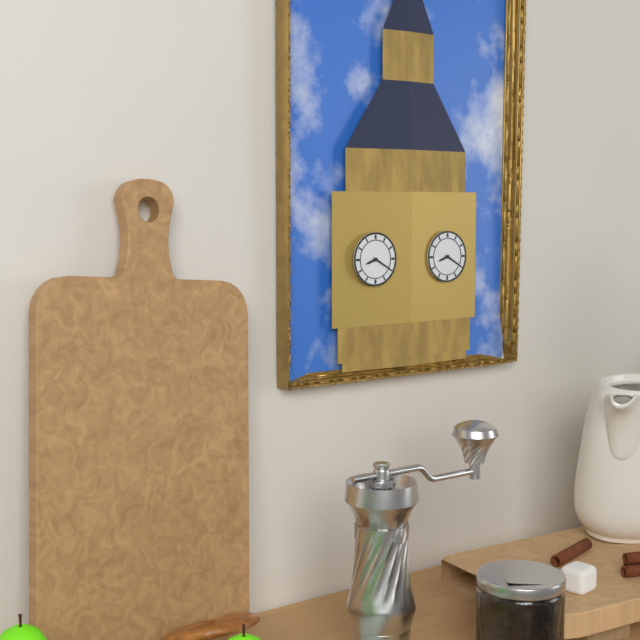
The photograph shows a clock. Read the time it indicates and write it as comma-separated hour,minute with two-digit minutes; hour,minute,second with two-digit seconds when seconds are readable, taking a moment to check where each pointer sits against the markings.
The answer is 8,20
